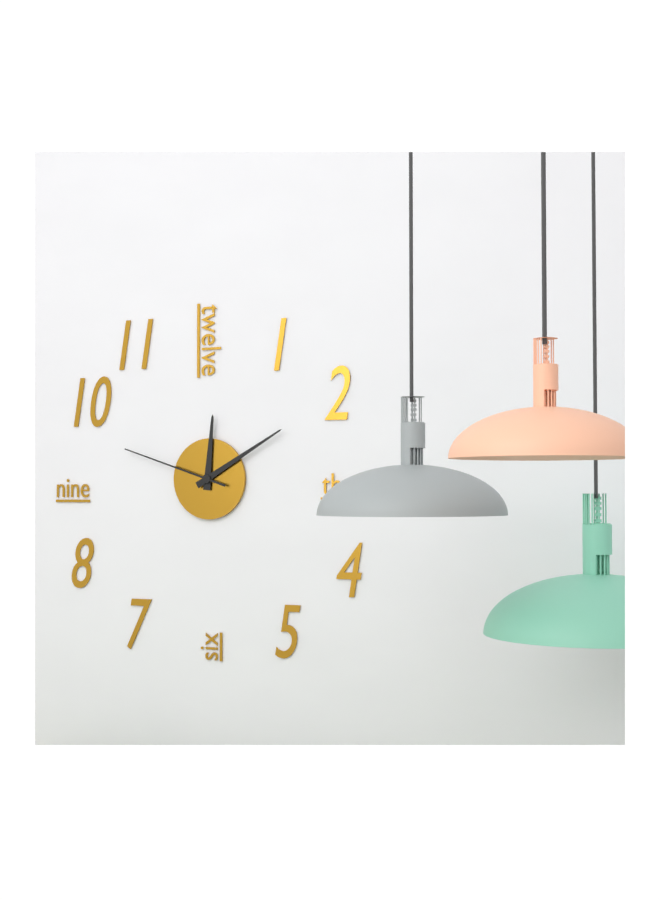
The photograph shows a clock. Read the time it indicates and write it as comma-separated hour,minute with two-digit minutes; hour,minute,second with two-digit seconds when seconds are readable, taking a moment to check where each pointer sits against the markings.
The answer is 12,10,48
